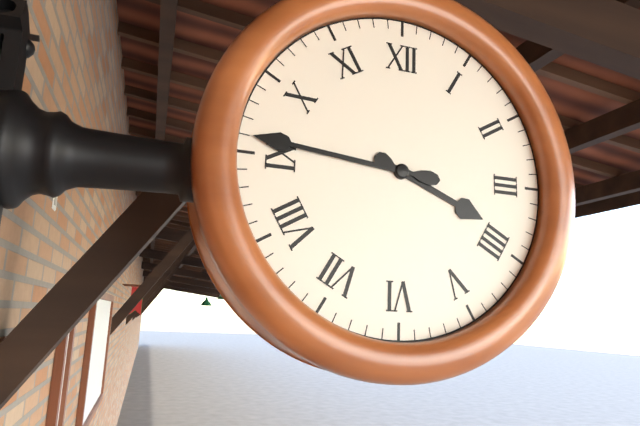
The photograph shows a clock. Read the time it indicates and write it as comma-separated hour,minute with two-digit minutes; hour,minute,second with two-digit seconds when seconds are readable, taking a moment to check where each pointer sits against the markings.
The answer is 3,46
